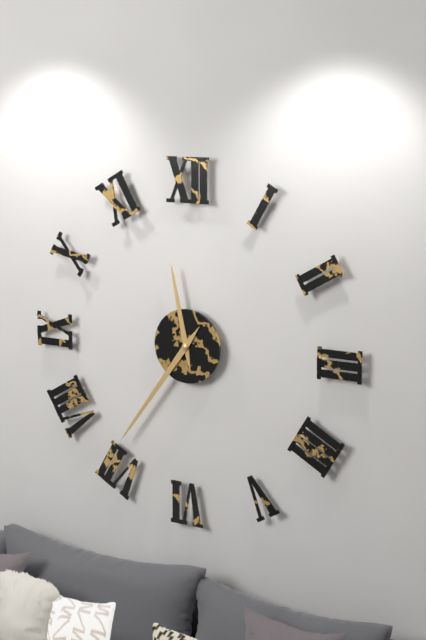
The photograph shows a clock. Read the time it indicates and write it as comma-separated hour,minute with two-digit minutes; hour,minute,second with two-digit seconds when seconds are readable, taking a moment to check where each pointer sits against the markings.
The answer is 11,36
